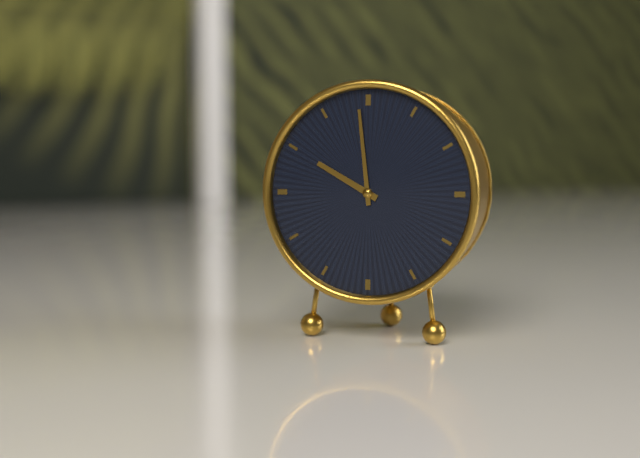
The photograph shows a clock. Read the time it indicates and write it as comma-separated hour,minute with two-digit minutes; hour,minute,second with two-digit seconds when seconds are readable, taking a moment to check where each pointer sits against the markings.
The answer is 9,59
